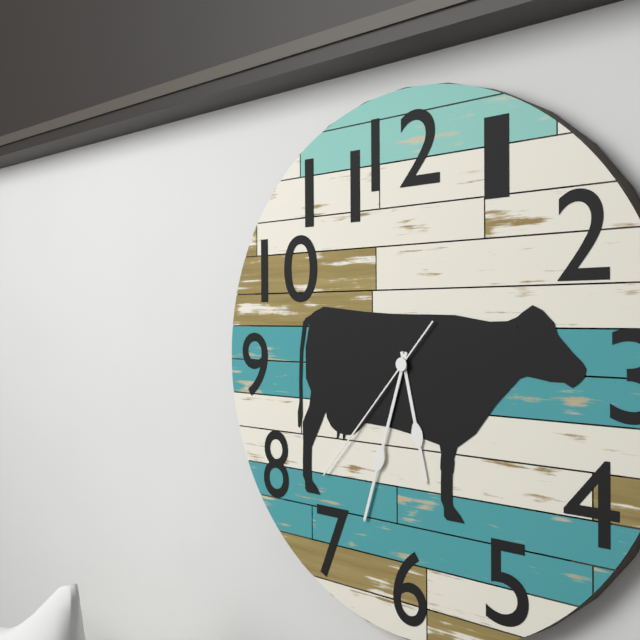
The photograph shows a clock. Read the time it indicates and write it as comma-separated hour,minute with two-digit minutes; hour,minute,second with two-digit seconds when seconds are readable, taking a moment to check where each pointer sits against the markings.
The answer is 5,33,37
